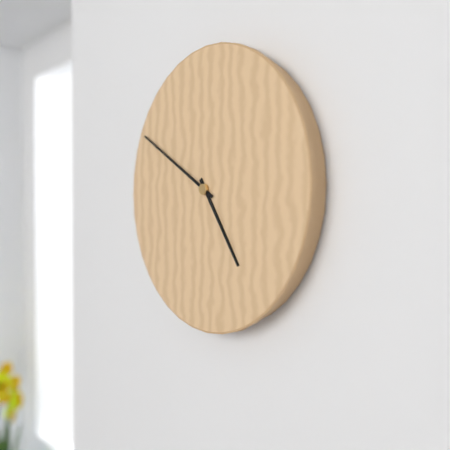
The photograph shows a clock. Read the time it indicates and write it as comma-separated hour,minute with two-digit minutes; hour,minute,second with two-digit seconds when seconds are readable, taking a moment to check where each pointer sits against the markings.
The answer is 4,50
